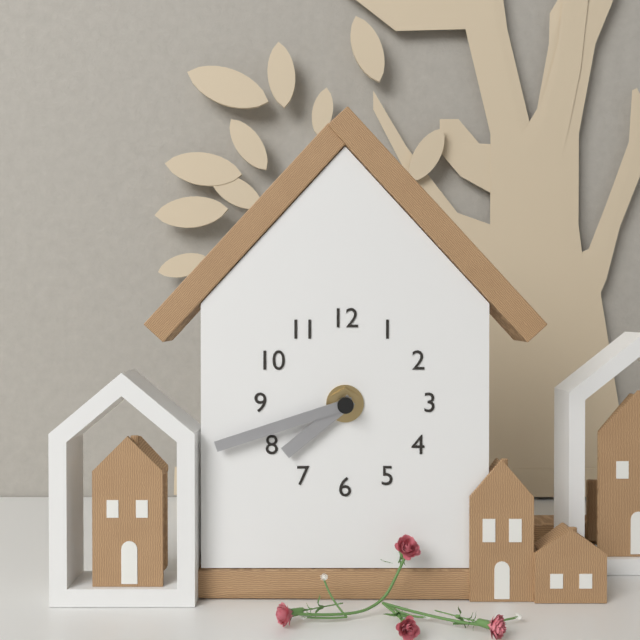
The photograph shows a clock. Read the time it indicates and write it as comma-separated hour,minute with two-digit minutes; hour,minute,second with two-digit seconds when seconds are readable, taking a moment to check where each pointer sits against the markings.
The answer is 7,42
